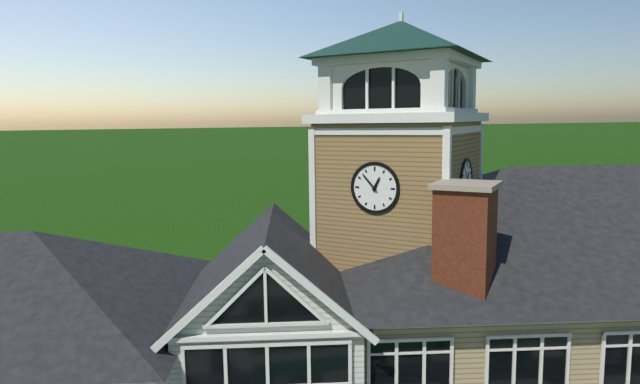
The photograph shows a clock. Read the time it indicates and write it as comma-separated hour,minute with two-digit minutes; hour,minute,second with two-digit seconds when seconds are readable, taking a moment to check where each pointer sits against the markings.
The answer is 12,53
